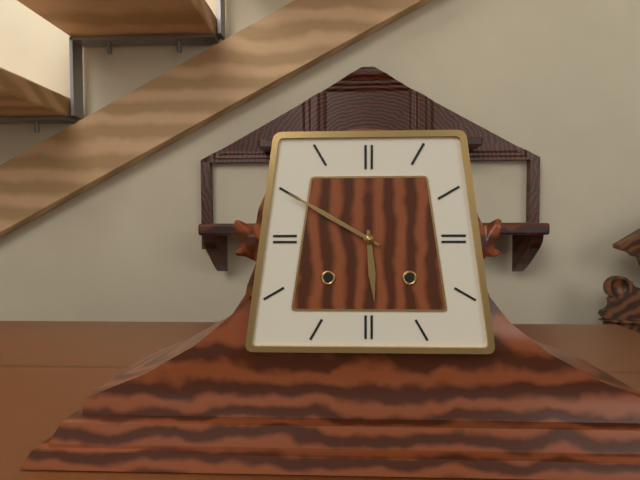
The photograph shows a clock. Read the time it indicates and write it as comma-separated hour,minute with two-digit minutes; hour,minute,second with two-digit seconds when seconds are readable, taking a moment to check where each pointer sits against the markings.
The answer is 5,50
